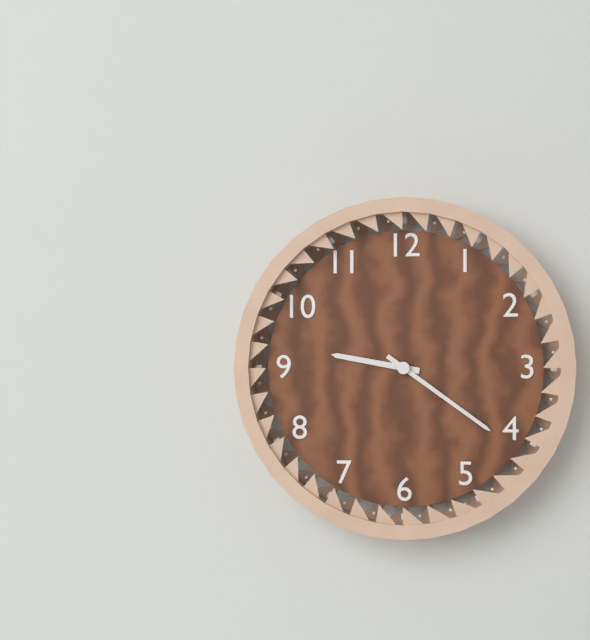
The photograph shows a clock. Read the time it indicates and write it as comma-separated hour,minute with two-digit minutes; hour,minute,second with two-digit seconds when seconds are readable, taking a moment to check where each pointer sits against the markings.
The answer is 9,21
